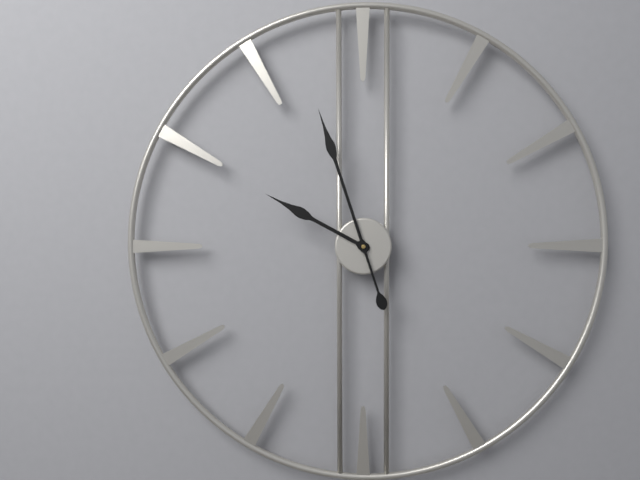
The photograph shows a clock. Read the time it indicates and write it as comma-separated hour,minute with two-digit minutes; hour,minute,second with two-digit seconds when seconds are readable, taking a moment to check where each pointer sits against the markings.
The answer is 9,57
